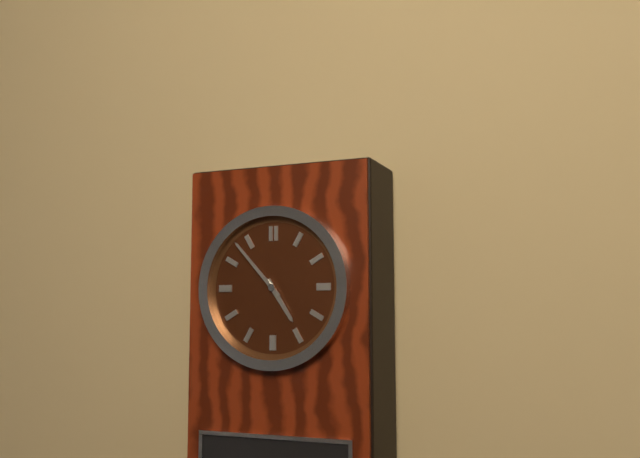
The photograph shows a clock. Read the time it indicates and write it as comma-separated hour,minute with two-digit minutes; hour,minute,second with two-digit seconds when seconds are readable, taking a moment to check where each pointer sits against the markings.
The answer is 4,53
